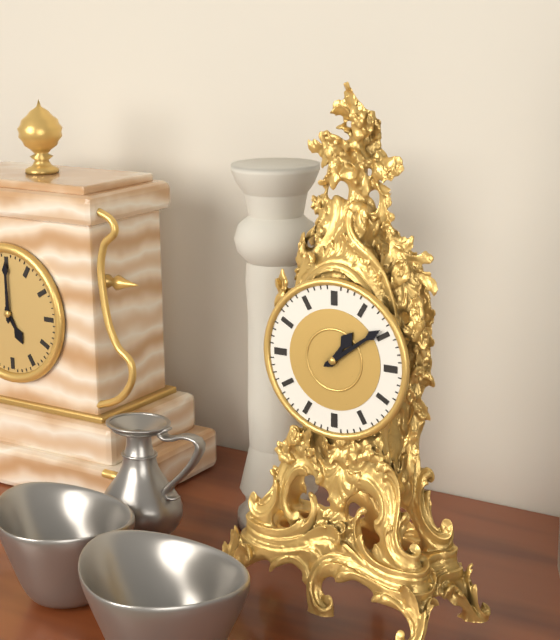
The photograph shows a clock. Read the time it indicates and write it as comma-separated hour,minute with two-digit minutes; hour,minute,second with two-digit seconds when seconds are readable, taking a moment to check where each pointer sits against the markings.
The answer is 1,09
